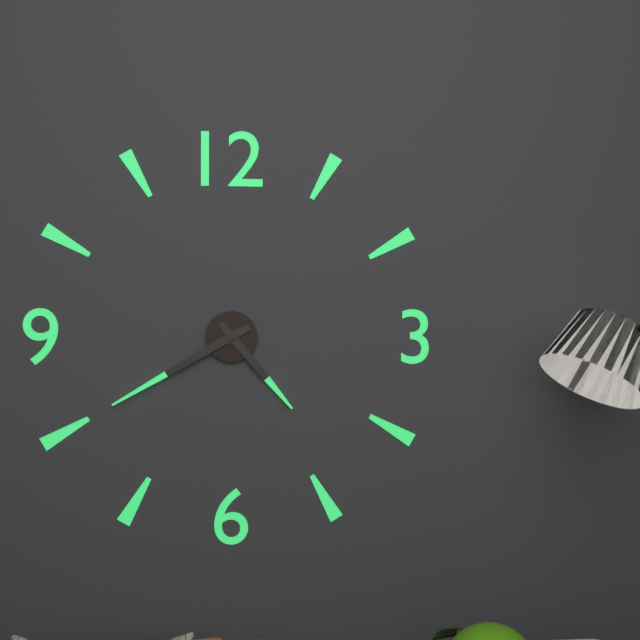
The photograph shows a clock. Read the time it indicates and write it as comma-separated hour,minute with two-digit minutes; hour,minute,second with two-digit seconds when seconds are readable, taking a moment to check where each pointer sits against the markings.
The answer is 4,40
